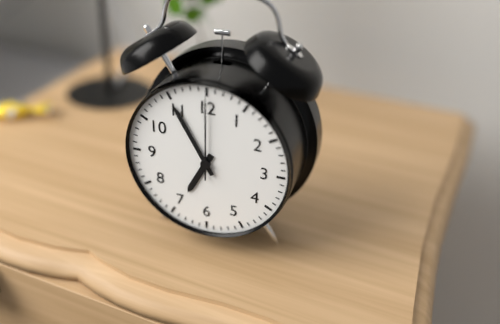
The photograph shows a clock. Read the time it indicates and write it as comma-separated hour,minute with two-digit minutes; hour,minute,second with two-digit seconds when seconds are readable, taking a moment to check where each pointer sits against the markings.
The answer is 6,55,00
